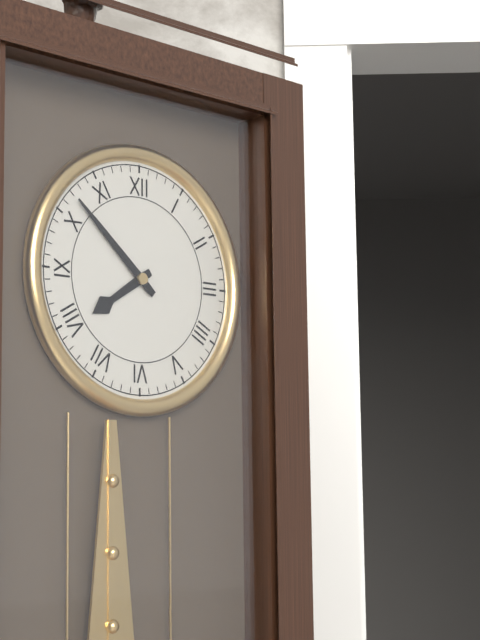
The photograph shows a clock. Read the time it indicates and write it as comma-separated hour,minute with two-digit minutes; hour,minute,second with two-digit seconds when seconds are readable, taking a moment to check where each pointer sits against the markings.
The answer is 7,52
